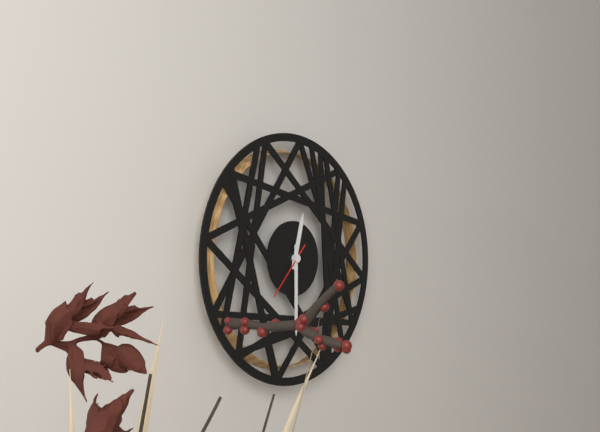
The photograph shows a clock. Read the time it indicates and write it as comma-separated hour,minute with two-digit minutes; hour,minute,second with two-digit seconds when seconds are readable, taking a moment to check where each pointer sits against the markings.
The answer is 12,30,37
